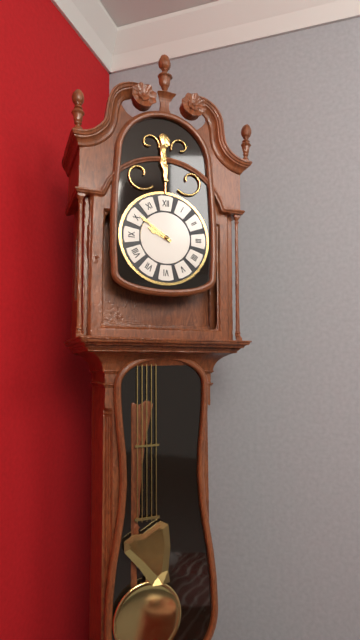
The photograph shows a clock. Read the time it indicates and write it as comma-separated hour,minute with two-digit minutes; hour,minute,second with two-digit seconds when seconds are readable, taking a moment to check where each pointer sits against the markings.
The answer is 9,51
